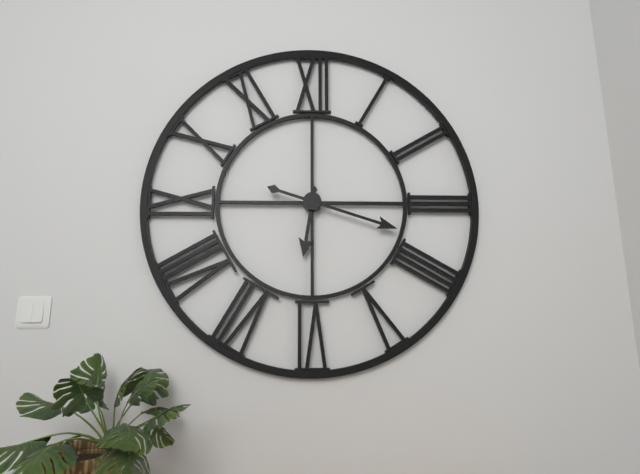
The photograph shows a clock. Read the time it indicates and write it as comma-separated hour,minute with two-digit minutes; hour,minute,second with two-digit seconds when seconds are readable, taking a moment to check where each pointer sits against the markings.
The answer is 6,18
